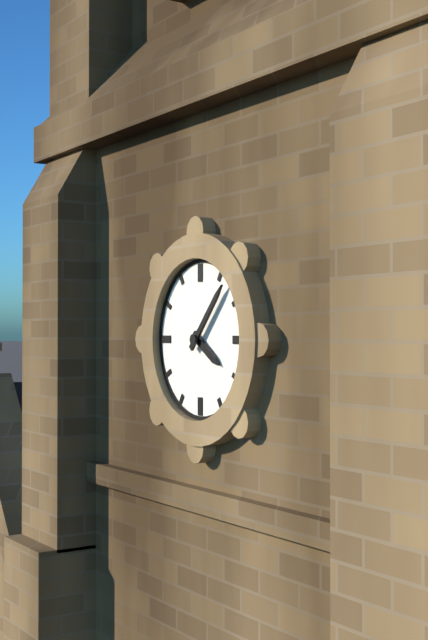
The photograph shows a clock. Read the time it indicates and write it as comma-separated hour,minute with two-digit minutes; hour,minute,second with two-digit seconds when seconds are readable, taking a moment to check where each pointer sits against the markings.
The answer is 4,07
